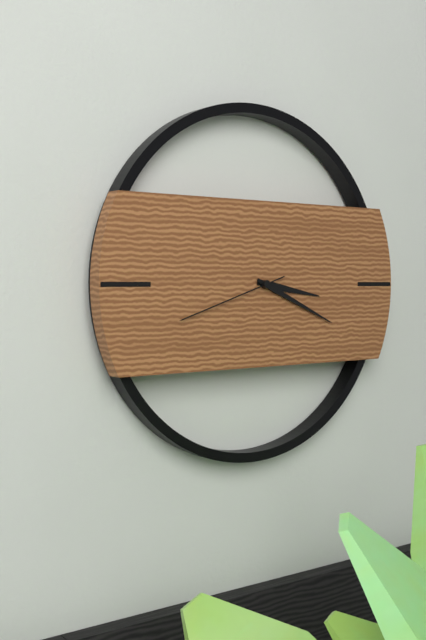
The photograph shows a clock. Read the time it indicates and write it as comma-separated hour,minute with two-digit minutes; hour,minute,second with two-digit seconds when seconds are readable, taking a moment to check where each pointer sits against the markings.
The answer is 3,19,42
